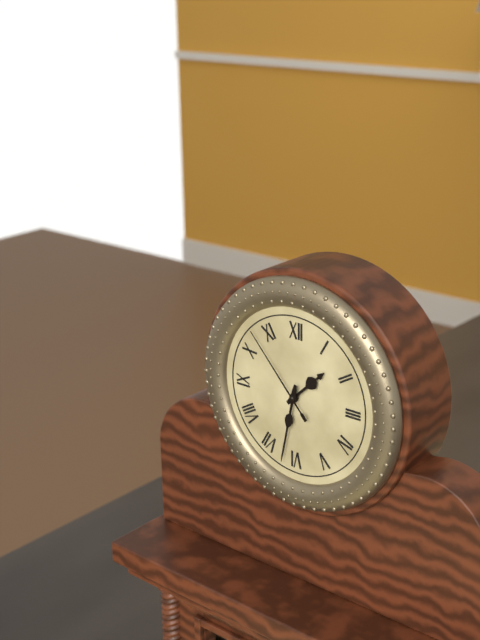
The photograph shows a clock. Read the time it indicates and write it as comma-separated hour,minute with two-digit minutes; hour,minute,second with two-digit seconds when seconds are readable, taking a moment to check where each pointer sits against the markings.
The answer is 1,32,53
